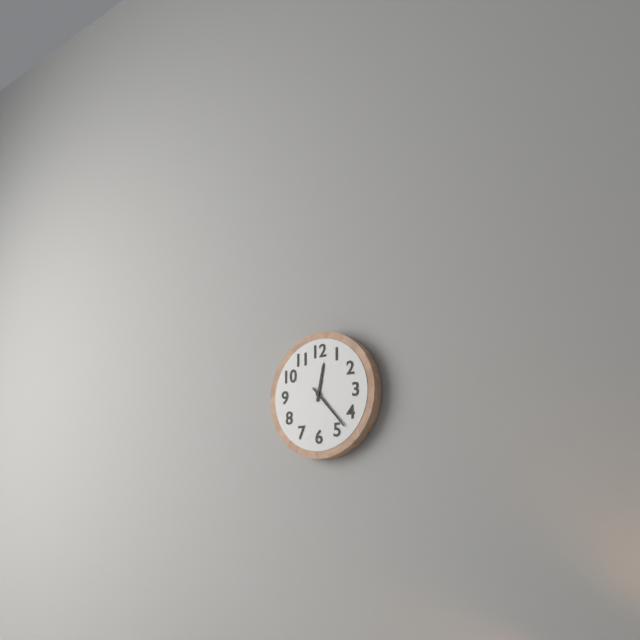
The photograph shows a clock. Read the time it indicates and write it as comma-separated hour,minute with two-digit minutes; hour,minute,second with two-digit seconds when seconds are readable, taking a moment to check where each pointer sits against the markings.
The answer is 12,23
